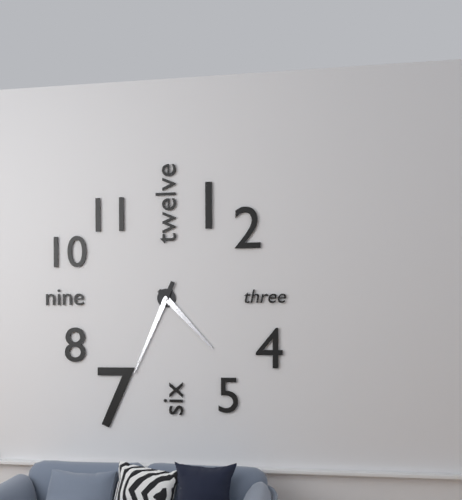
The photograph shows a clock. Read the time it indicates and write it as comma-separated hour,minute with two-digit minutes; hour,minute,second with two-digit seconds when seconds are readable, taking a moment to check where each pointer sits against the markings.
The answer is 4,34
